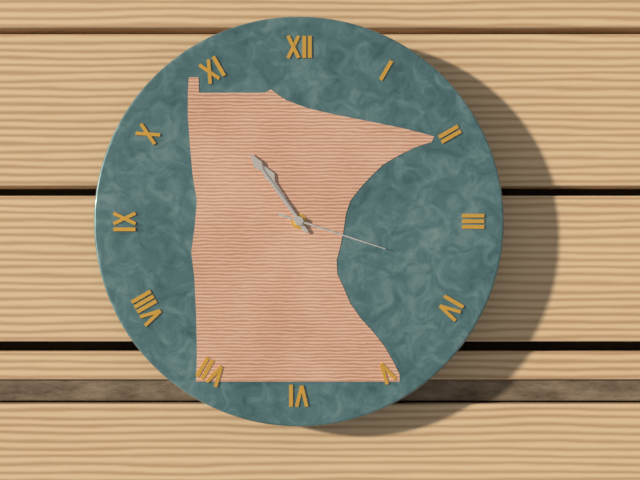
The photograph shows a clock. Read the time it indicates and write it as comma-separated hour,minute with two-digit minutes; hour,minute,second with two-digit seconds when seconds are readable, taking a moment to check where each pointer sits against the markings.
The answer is 10,54,18
